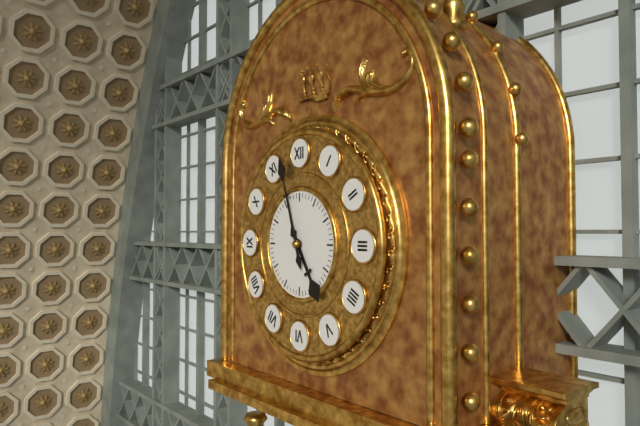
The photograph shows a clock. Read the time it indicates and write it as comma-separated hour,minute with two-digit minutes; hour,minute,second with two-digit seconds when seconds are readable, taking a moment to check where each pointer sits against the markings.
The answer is 4,57
